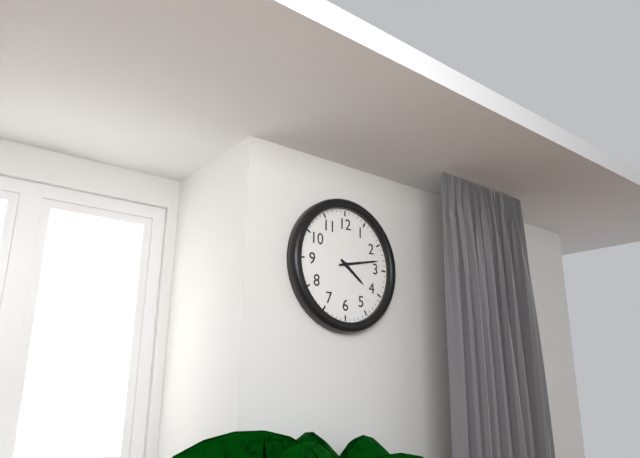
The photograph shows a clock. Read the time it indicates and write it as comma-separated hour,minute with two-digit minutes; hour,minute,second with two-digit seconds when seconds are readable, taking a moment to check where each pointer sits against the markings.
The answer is 4,13
